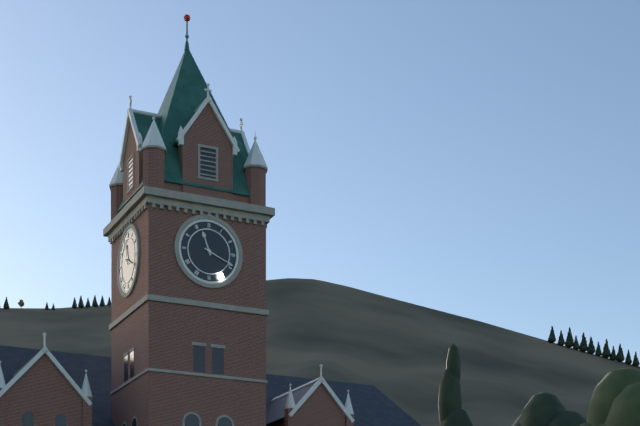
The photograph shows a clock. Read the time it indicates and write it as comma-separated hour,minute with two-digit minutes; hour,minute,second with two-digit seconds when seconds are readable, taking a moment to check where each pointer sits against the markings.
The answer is 11,19
